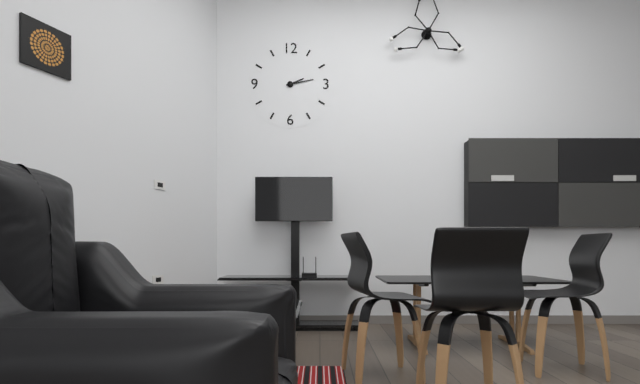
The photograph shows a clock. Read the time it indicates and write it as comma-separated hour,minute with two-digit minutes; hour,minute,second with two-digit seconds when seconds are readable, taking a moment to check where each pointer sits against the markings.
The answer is 2,13
